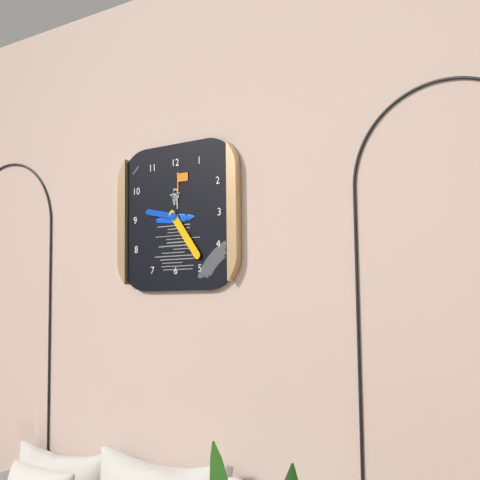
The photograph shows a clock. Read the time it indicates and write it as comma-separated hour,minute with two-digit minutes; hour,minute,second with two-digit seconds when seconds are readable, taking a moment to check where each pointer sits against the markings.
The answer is 9,24
